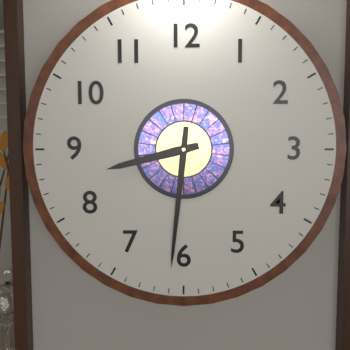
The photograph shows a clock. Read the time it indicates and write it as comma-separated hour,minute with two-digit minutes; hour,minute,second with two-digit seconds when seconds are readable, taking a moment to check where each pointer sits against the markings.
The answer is 8,31
